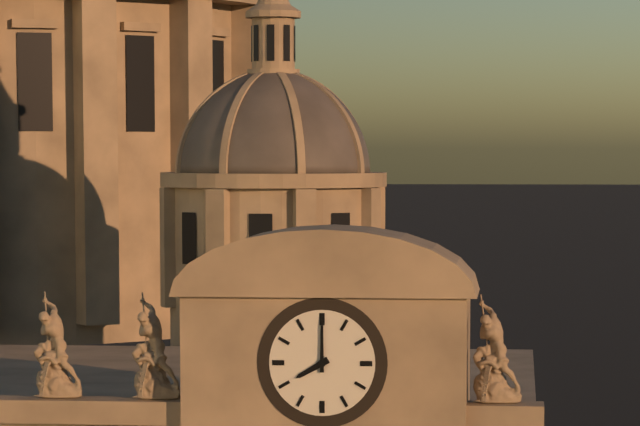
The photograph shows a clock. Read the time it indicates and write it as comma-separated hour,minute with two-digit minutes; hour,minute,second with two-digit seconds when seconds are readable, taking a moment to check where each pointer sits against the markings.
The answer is 8,00
